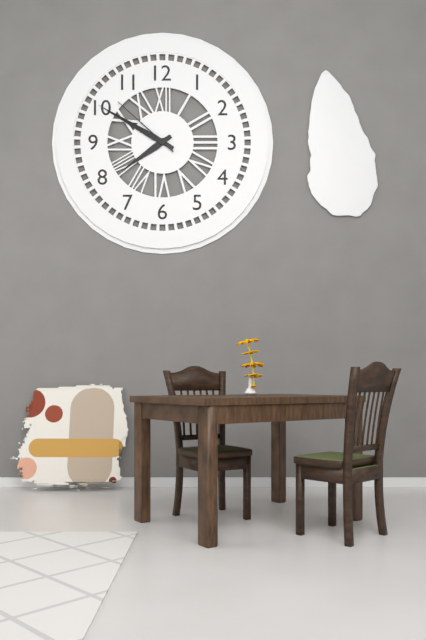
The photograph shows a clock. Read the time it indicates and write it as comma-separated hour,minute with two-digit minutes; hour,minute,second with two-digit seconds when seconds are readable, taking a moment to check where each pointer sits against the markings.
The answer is 7,50,52
